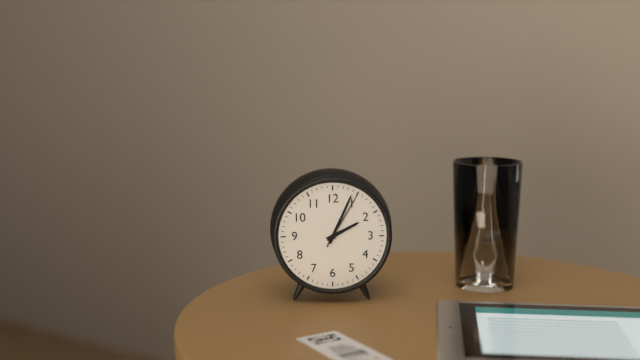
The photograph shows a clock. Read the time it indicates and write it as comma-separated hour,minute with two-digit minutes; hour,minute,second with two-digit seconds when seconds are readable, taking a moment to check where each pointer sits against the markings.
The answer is 2,04,05
